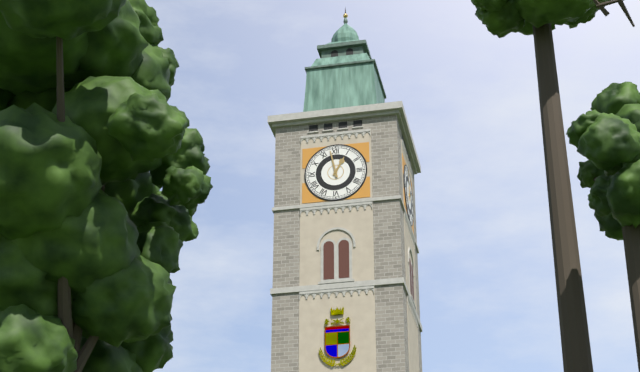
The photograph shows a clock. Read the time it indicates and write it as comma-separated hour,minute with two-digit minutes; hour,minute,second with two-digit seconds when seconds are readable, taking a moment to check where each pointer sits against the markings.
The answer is 12,58
